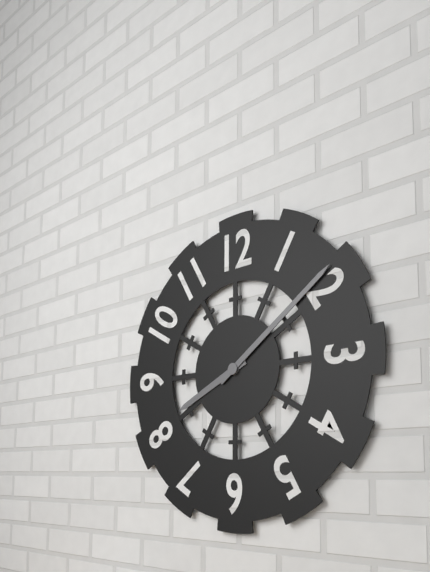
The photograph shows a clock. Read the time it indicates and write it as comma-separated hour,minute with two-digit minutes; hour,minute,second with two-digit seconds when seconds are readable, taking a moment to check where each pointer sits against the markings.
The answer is 8,09
